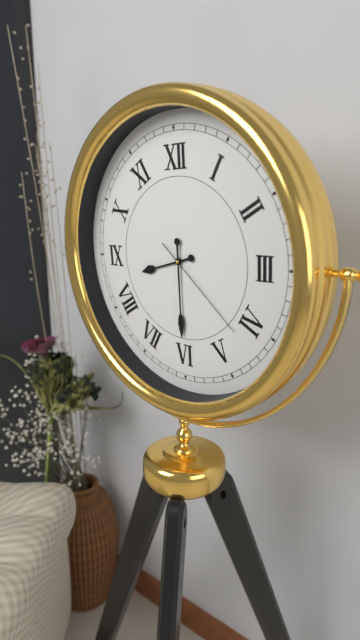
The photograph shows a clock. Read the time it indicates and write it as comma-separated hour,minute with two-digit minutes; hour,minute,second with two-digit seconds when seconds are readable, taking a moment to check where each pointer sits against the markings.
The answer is 8,30,22
